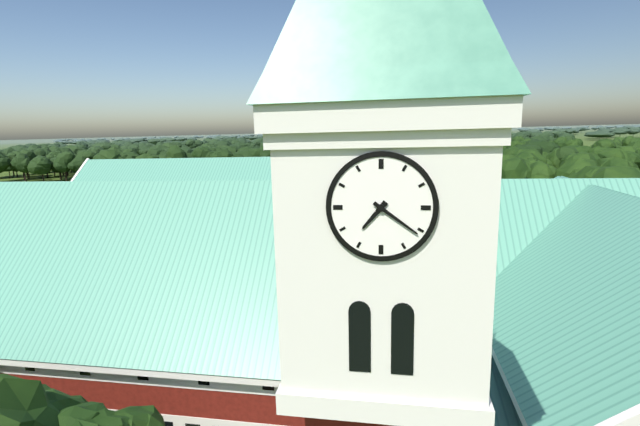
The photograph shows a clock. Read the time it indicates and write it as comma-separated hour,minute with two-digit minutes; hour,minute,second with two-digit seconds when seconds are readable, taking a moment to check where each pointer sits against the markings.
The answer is 7,21
